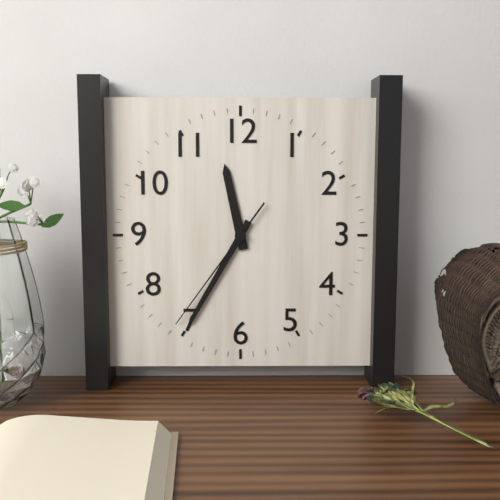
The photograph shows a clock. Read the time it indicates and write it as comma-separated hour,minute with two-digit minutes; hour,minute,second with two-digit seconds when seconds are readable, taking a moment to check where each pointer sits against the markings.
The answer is 11,35,36
